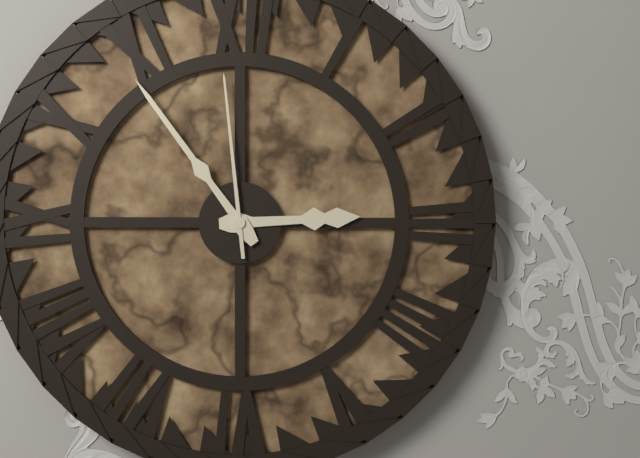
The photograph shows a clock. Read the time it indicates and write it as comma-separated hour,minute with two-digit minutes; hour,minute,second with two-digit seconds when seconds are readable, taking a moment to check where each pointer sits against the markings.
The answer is 2,54,59
